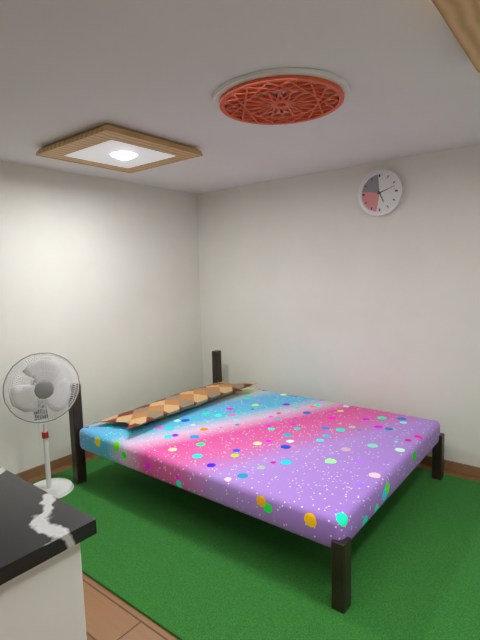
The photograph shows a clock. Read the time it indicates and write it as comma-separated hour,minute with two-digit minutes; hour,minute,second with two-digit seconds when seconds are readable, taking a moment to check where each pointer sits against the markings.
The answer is 5,12
